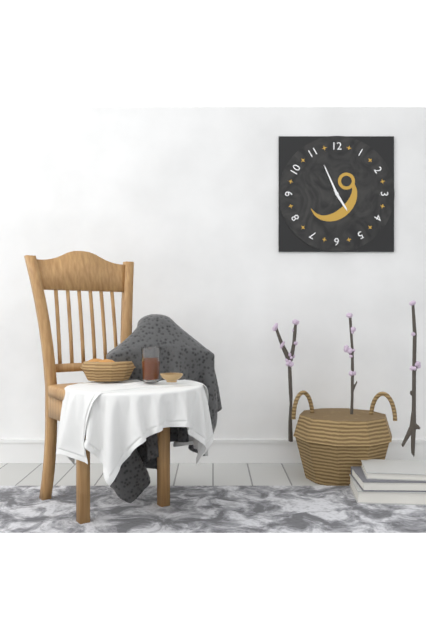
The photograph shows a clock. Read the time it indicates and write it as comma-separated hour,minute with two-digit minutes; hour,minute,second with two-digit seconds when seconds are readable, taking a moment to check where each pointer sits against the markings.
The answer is 4,56
